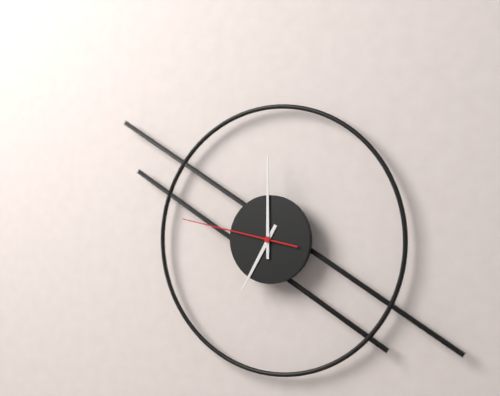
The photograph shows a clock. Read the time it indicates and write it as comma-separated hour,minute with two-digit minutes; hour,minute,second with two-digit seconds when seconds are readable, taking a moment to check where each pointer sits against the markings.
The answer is 7,00,47
